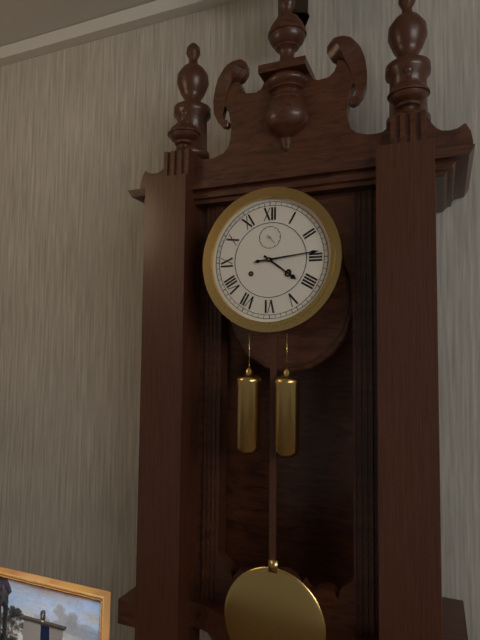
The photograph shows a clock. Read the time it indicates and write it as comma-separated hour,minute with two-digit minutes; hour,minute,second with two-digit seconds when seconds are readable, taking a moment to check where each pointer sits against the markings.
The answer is 4,14
